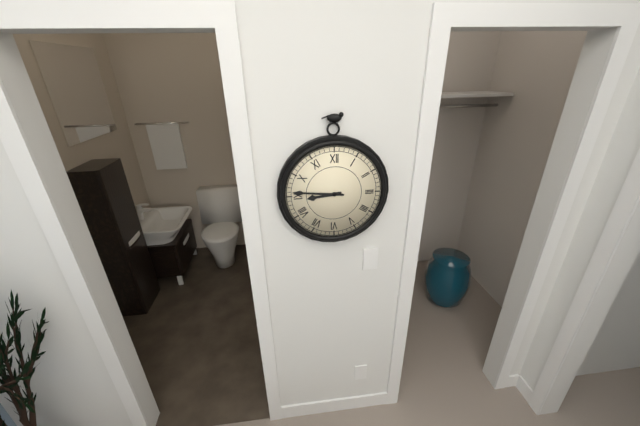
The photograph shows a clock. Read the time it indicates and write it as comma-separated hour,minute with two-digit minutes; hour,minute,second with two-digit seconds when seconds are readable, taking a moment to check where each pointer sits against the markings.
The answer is 8,46
